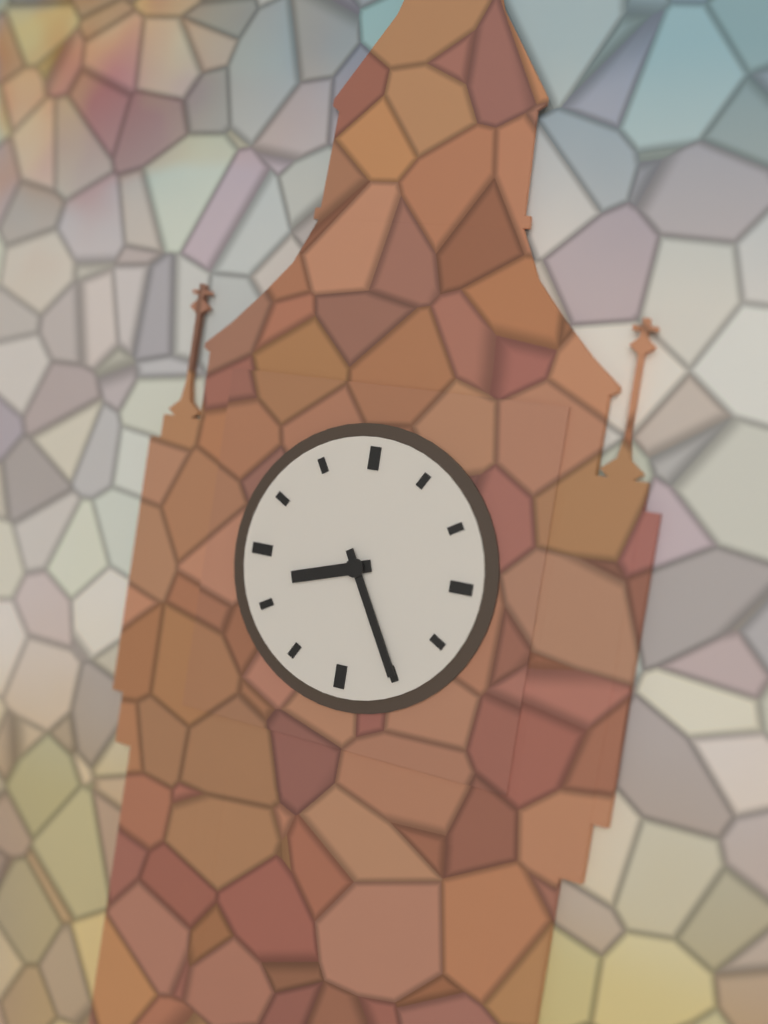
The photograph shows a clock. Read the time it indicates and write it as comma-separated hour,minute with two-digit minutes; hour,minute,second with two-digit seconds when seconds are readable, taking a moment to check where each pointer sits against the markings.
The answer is 8,25
